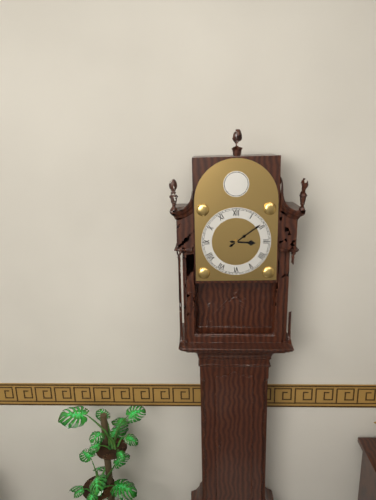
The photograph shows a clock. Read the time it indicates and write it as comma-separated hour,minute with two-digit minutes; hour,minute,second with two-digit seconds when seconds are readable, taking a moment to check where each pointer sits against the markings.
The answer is 3,09
